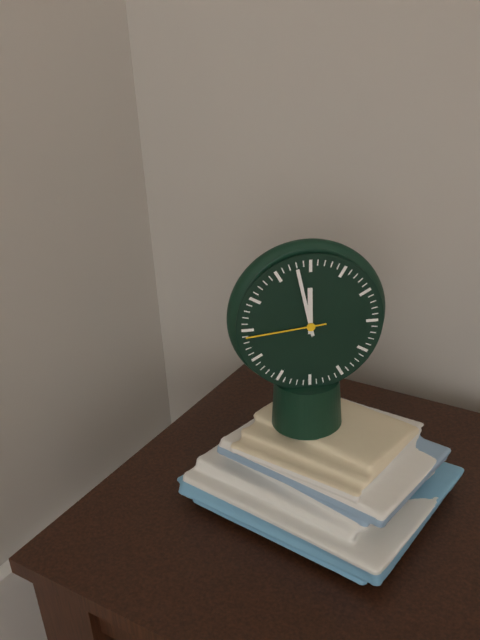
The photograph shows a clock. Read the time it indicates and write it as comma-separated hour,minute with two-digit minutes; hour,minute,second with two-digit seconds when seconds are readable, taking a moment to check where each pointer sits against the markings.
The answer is 11,58,44
